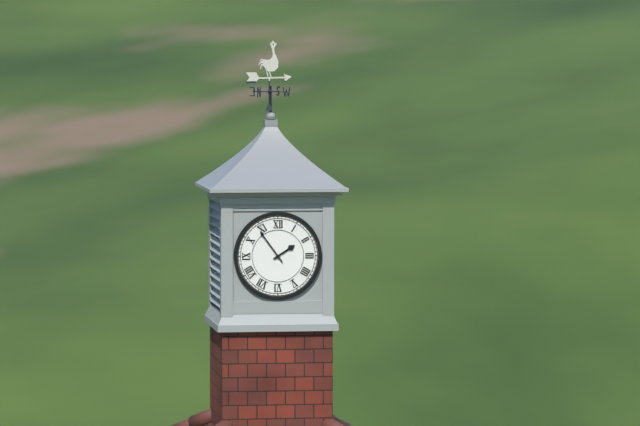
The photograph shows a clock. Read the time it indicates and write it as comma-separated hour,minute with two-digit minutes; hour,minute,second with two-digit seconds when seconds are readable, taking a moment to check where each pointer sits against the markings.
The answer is 1,54
